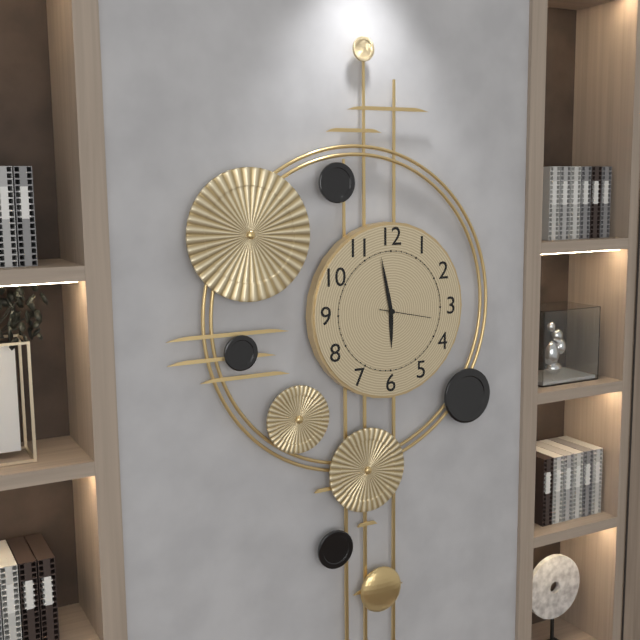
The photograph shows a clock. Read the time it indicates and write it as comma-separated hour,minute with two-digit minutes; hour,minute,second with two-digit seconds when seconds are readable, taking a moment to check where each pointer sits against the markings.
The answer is 5,58
